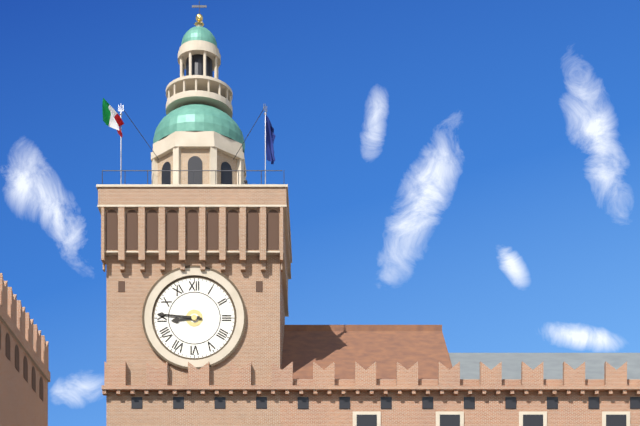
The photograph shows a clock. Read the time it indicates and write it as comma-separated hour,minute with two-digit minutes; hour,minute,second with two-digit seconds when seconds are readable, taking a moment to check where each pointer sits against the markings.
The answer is 8,46
